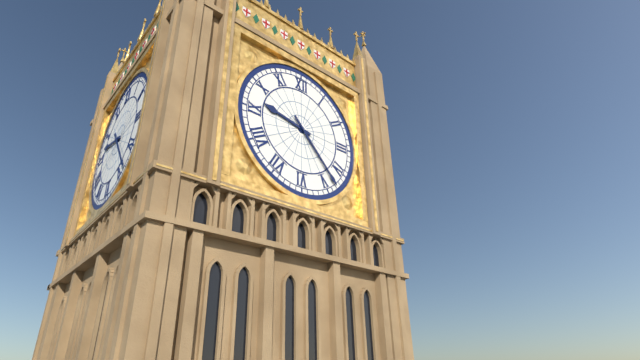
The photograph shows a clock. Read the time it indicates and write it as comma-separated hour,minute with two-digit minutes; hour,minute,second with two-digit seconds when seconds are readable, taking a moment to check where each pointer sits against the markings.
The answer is 9,23
